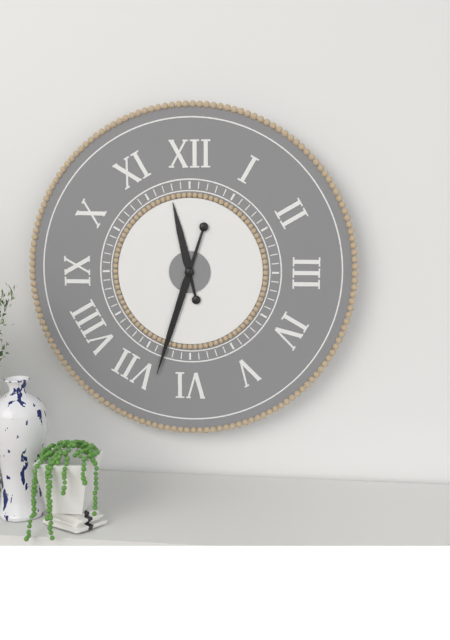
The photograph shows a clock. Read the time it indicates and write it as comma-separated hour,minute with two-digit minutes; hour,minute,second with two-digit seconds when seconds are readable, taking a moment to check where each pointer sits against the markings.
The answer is 11,33
